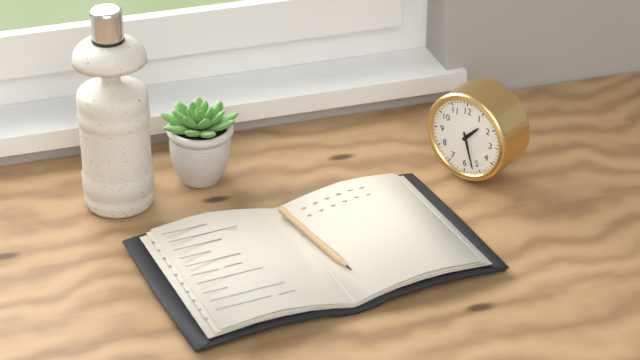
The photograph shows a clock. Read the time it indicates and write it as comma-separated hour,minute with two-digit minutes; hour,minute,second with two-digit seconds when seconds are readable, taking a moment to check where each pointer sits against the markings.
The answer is 1,27
